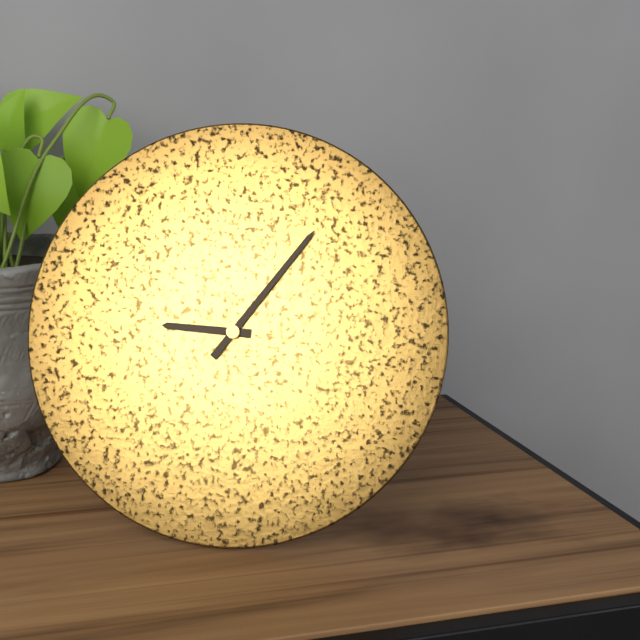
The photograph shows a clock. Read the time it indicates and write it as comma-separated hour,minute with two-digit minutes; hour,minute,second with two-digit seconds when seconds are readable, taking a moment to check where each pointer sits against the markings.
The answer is 9,06
